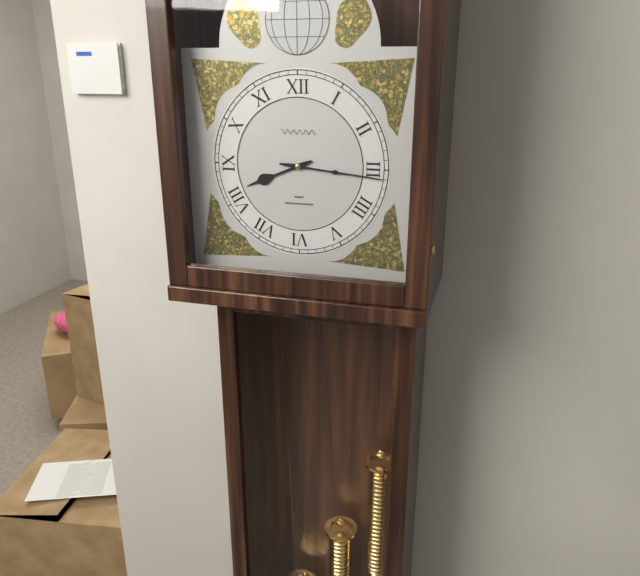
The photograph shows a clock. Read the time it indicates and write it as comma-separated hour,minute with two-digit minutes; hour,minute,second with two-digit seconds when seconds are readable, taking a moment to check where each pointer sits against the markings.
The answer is 8,16
